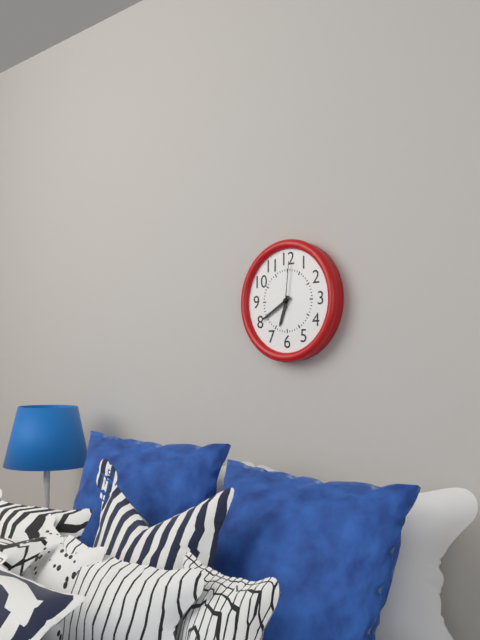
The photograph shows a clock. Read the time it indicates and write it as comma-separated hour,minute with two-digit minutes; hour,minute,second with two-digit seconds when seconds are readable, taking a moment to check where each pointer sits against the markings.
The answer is 6,40,01
